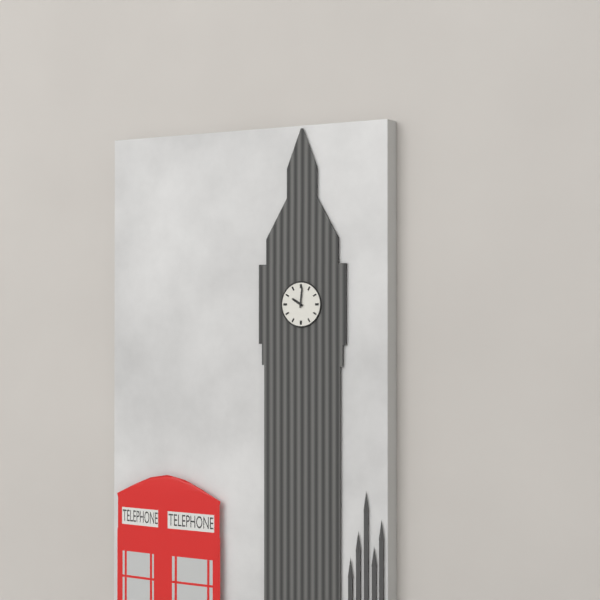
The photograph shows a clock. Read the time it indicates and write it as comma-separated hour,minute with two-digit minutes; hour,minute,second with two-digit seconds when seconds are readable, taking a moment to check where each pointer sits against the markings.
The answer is 10,01
